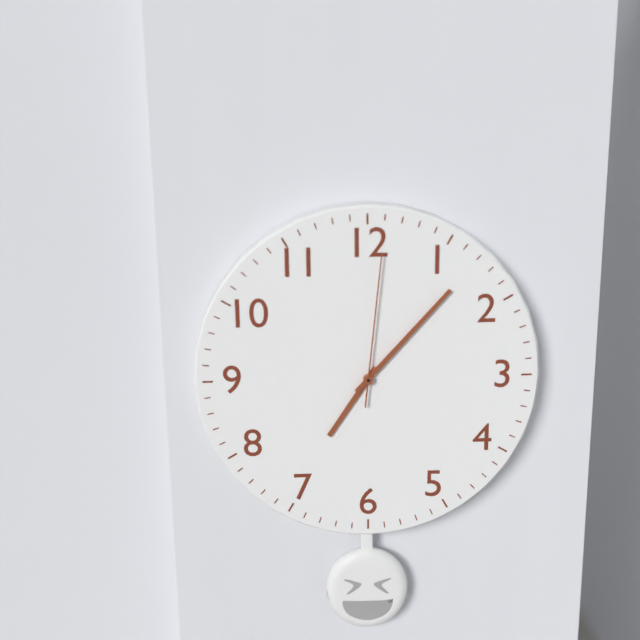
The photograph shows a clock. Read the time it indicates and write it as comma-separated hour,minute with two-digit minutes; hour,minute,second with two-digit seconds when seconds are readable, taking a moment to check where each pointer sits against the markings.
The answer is 7,07,01
